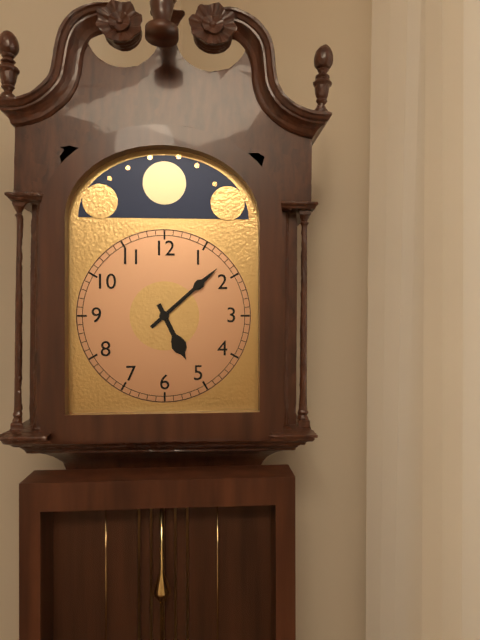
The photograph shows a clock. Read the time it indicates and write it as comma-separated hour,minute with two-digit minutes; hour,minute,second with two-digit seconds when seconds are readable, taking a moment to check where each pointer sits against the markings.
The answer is 5,08
